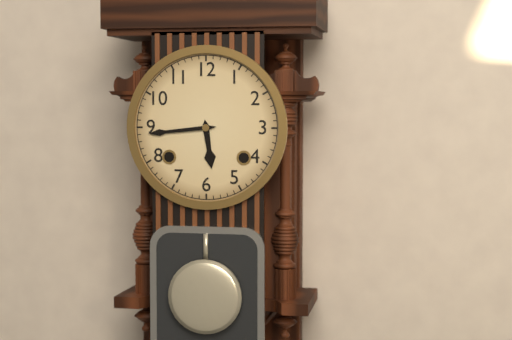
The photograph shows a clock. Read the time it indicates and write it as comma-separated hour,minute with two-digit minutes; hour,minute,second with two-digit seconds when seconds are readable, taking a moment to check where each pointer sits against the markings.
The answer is 5,44
